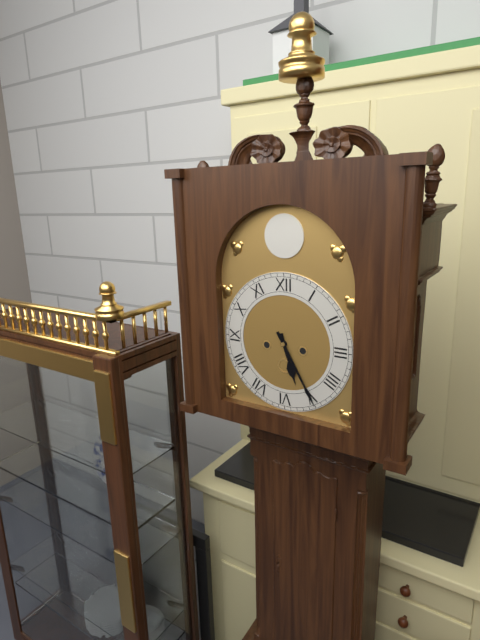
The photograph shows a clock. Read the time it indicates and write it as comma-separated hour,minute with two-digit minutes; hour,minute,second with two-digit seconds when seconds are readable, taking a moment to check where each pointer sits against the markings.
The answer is 5,25
